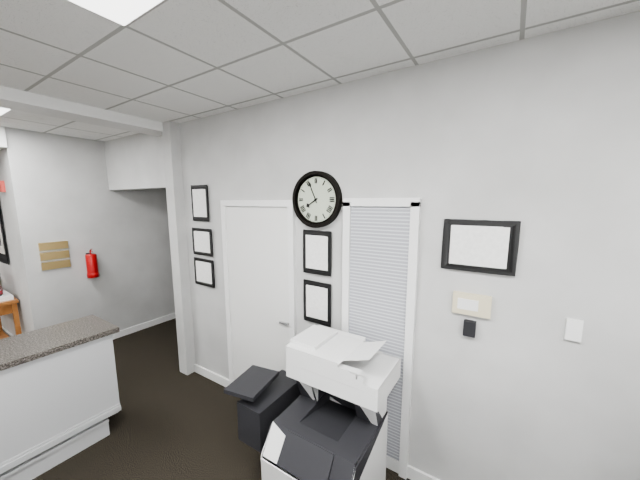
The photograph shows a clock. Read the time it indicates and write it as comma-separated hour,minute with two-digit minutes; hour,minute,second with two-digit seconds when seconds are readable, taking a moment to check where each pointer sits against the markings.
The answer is 7,56
